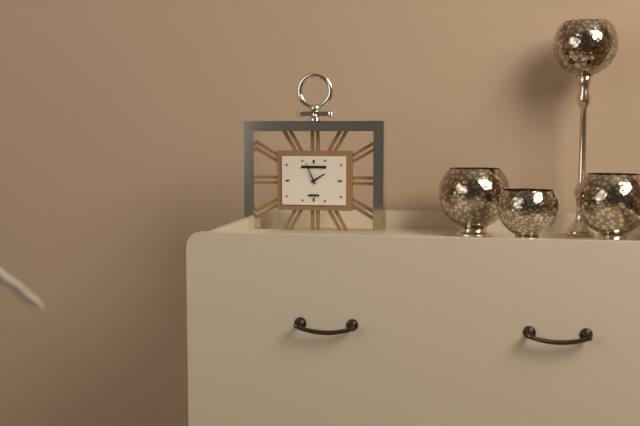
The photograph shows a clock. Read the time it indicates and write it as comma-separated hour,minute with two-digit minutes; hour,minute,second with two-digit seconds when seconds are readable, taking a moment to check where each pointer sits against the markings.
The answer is 1,56
